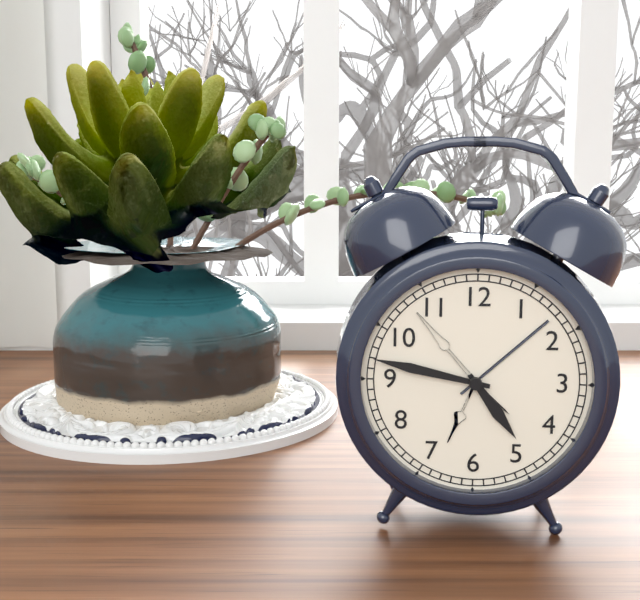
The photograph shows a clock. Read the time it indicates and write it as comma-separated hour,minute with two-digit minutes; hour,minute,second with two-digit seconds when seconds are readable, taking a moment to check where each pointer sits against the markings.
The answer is 4,47
